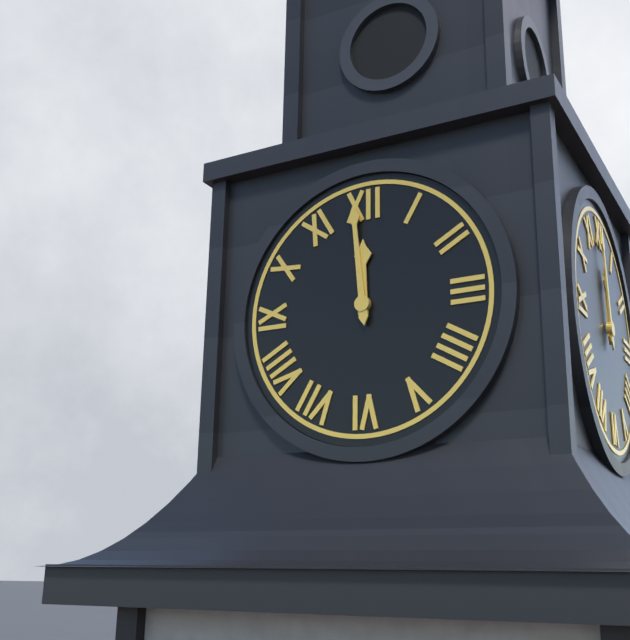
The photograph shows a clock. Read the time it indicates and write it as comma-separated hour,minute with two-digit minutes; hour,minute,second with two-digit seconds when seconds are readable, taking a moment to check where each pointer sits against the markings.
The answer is 11,59
